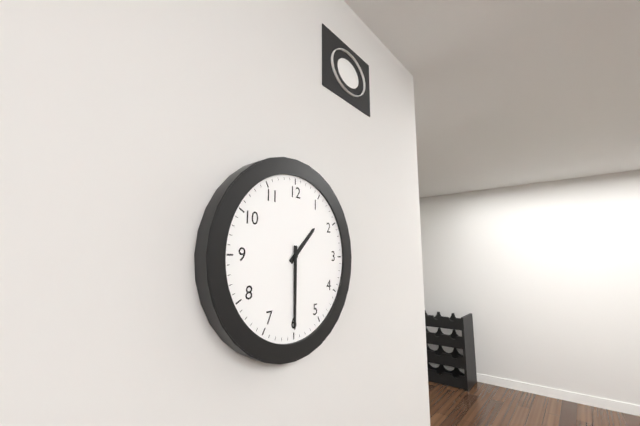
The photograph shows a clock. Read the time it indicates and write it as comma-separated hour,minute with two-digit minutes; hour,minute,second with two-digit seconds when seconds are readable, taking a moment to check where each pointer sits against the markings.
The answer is 1,30
